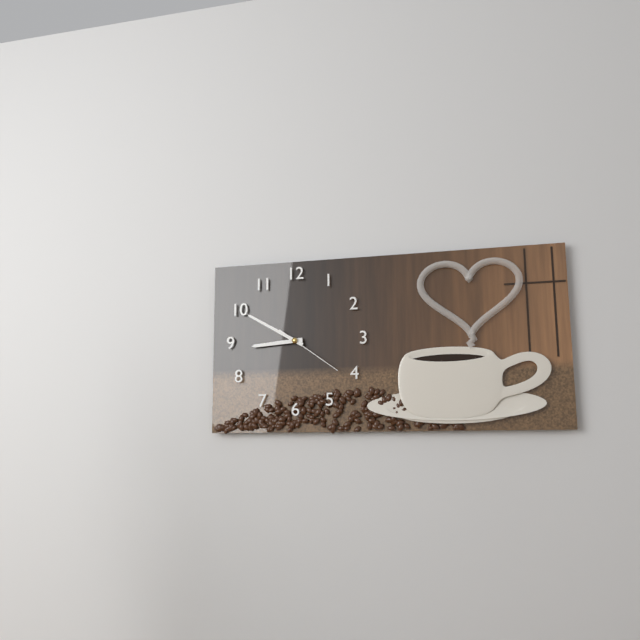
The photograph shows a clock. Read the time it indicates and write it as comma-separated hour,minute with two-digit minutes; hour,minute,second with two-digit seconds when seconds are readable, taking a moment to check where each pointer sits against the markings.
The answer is 8,50,21
